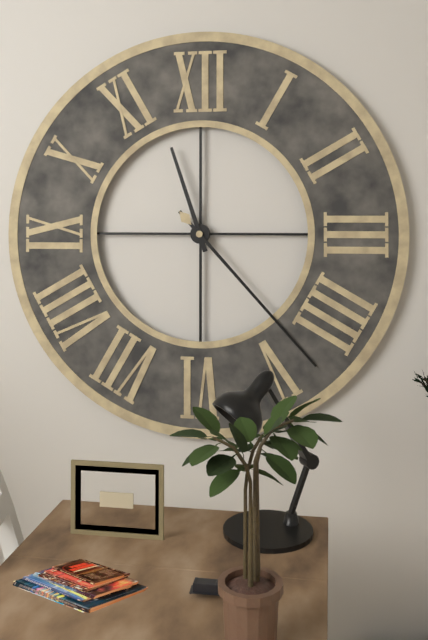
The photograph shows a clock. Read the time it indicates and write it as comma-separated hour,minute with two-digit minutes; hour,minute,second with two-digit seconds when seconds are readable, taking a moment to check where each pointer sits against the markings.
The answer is 11,23
